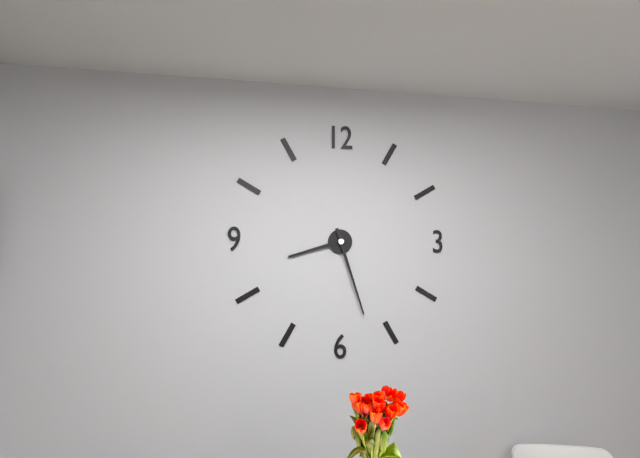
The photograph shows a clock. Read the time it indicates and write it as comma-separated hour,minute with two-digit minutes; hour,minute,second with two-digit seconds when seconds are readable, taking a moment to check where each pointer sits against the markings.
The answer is 8,27
